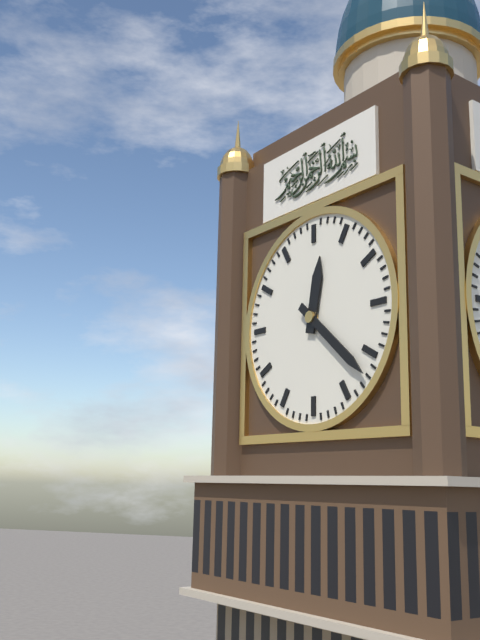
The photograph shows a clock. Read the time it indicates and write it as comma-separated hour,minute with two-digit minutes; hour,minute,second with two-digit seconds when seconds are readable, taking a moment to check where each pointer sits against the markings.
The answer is 12,22
